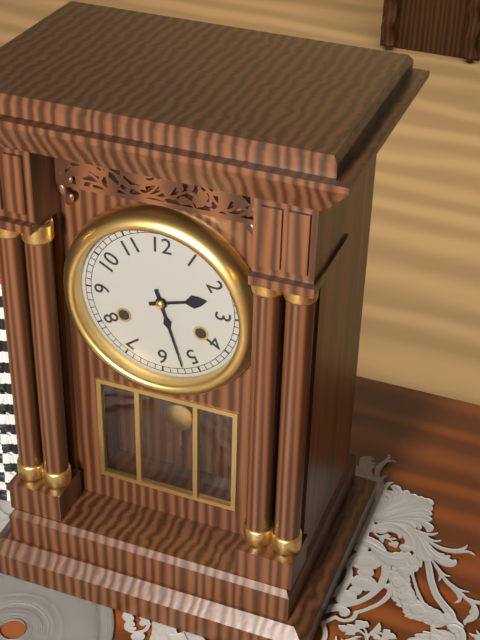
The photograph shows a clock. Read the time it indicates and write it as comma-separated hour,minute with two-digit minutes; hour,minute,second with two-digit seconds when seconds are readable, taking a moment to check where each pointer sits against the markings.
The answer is 2,27
